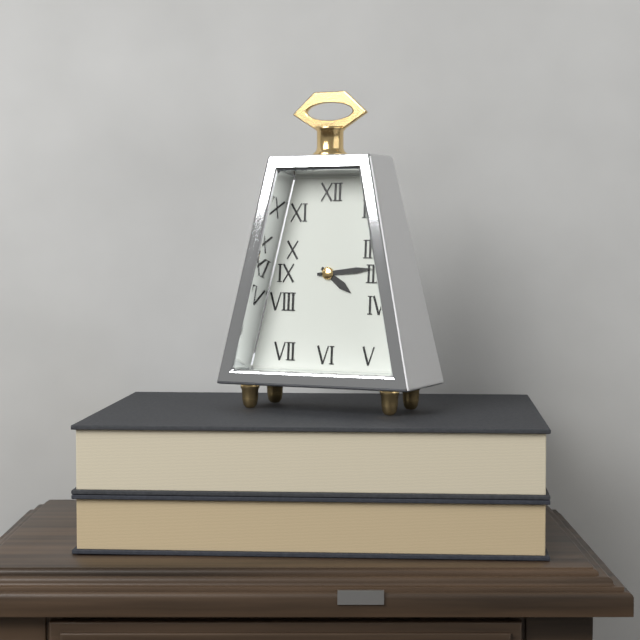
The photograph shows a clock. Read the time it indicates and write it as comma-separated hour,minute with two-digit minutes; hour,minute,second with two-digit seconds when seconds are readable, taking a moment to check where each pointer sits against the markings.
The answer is 4,14
